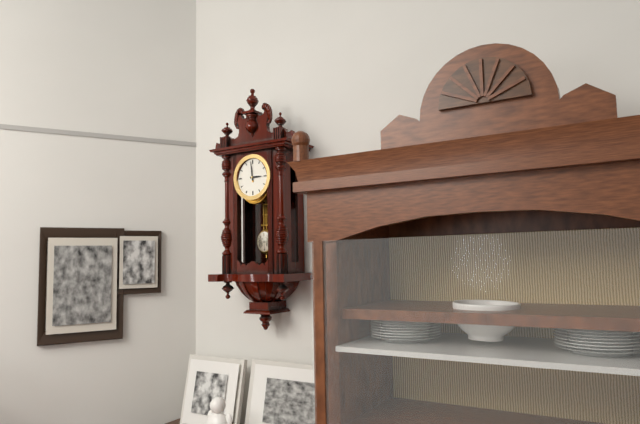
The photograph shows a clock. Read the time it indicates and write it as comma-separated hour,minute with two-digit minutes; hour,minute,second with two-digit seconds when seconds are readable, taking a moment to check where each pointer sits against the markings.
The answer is 2,59
